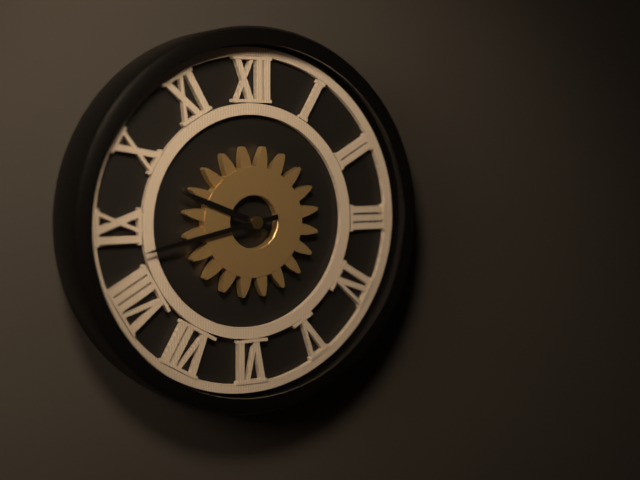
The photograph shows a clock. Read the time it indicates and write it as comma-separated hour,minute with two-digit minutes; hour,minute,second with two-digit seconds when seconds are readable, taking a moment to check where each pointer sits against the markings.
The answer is 9,43
